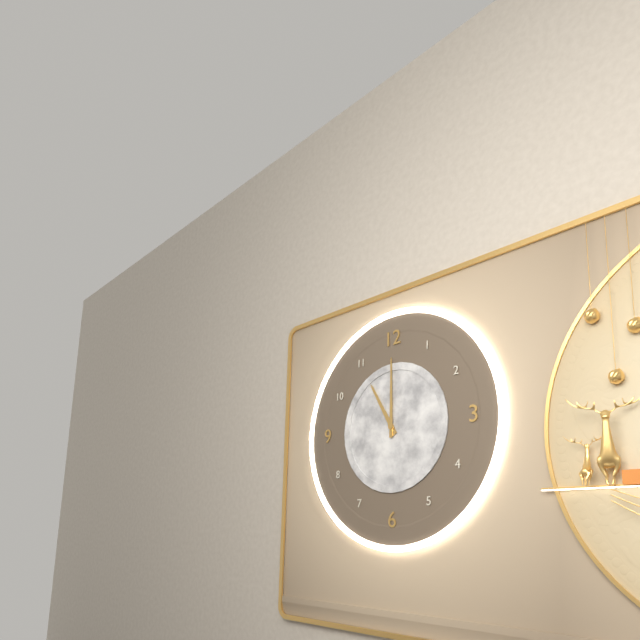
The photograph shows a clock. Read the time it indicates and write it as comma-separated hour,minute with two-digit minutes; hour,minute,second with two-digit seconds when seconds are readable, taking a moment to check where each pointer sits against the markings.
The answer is 11,00
